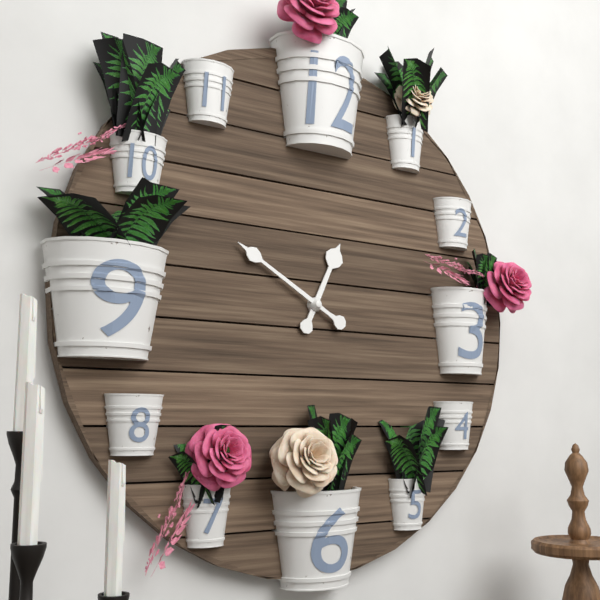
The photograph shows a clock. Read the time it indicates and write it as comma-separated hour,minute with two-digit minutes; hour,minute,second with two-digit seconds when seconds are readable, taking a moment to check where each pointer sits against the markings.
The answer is 12,50
